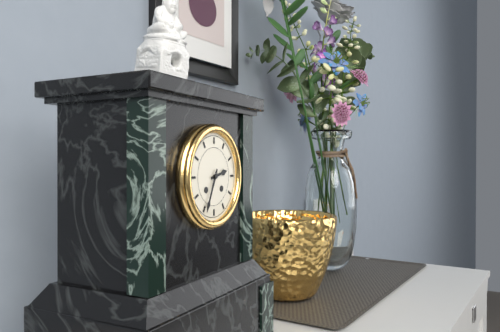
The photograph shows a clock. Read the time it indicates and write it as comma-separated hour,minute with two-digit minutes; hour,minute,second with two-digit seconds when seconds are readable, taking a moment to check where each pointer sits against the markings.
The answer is 2,34
